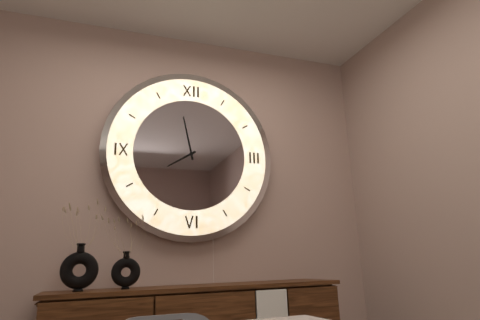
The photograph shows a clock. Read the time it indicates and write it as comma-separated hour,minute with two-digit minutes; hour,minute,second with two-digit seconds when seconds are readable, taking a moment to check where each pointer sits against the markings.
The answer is 7,58
